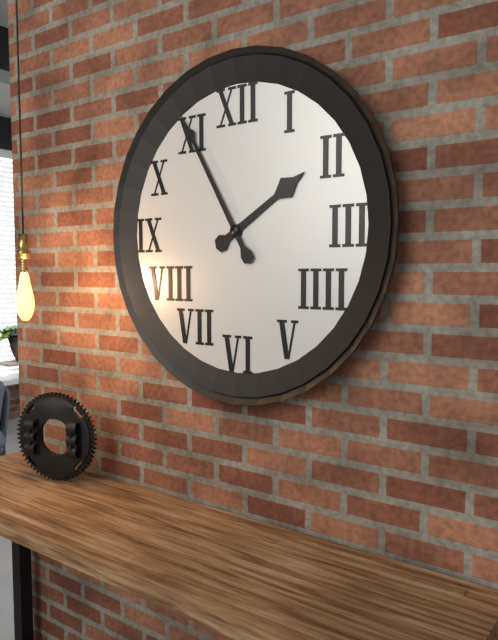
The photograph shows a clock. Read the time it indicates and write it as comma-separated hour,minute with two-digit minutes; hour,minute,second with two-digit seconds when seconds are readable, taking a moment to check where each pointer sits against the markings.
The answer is 1,55
